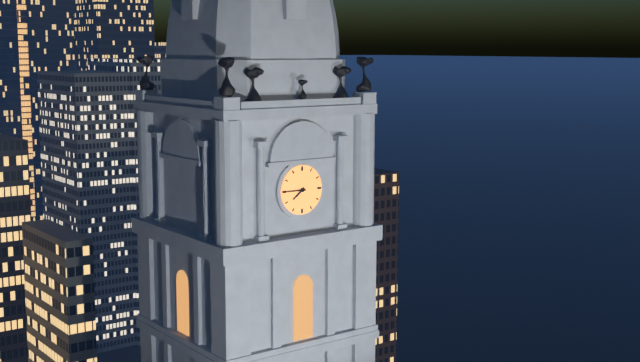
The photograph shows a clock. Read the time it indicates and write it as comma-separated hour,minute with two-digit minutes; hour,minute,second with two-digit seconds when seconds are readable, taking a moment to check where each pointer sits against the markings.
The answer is 7,45
